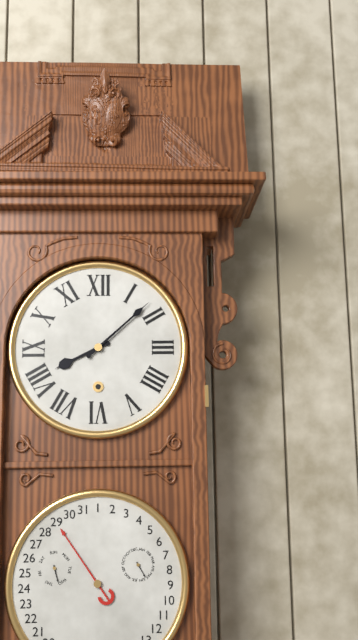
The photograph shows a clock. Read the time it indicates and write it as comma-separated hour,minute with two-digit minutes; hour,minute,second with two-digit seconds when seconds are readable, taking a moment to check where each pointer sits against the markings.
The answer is 8,08
